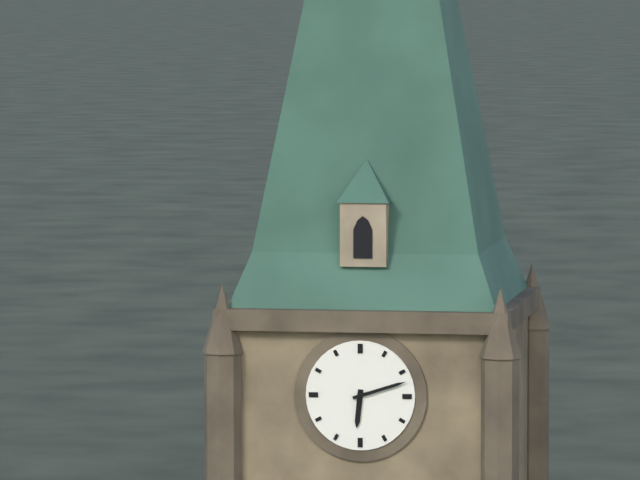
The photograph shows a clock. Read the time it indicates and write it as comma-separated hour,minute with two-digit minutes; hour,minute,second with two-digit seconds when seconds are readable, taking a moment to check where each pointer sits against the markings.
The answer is 6,12
